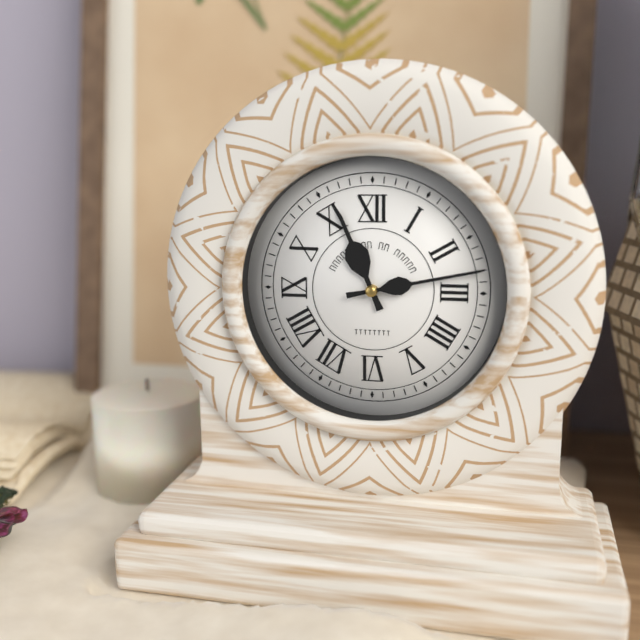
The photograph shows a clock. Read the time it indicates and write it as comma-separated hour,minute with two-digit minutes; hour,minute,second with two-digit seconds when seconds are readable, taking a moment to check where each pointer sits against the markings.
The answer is 11,13
